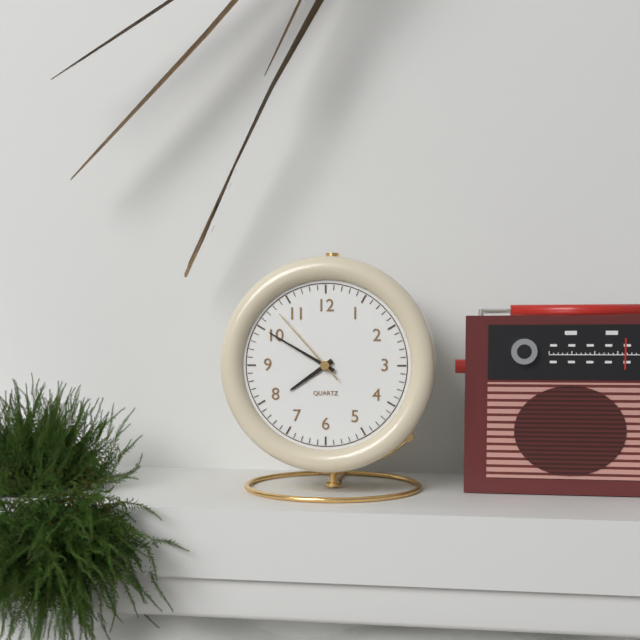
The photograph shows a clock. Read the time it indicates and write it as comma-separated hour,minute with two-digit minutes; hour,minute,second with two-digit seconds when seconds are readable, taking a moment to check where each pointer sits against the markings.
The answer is 7,50,53
